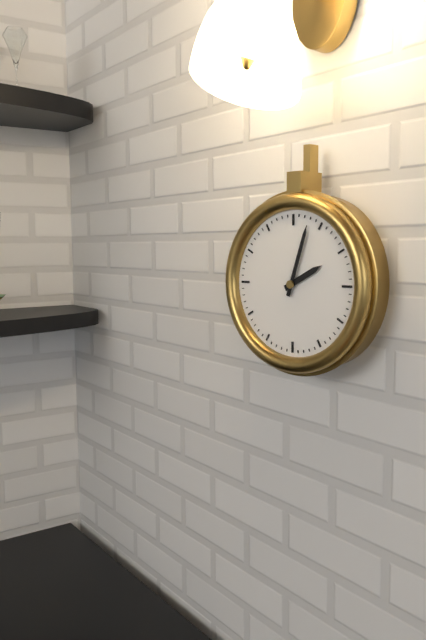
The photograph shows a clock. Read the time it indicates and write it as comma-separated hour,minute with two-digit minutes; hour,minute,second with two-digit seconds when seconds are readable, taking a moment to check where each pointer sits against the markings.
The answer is 2,03
